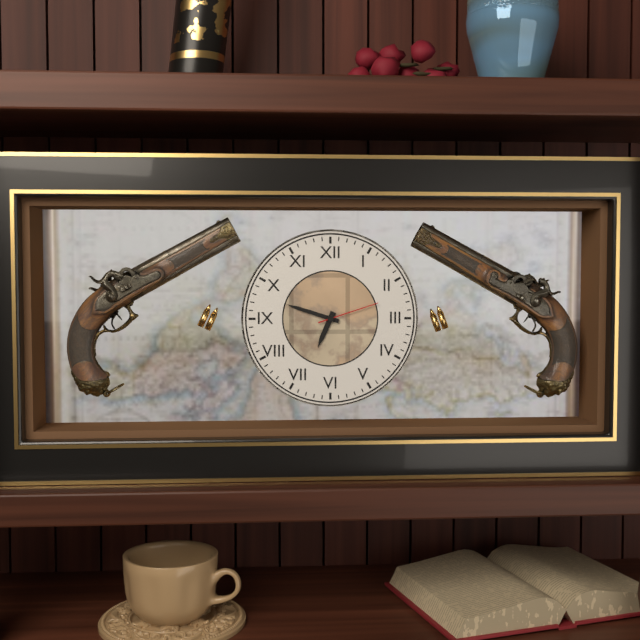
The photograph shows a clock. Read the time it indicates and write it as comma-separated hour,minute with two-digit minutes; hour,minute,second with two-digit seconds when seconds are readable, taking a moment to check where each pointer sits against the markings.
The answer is 6,48,12
